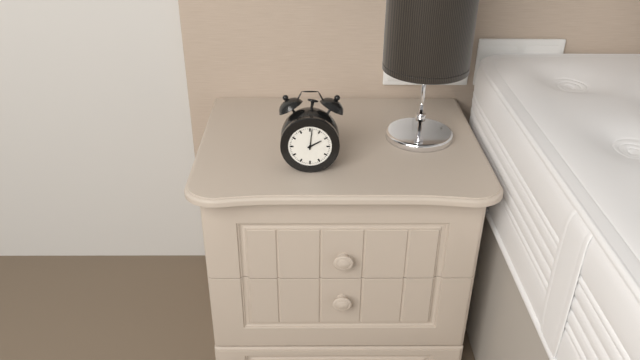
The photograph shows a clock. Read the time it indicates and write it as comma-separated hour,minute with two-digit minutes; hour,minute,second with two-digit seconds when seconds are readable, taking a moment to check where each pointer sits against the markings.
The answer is 2,01
